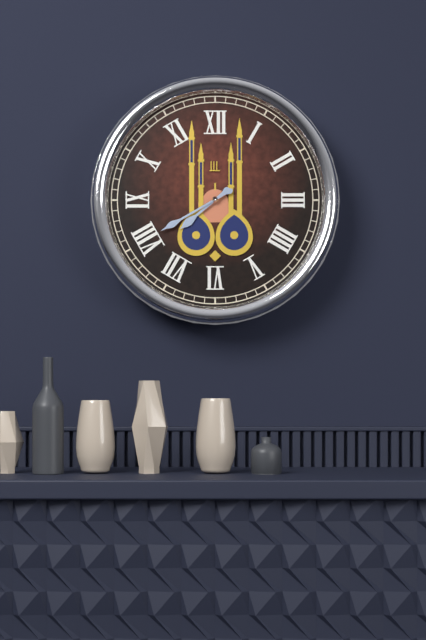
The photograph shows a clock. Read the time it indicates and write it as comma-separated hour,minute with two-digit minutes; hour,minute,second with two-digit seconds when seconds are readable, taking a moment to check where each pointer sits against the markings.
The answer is 7,40
